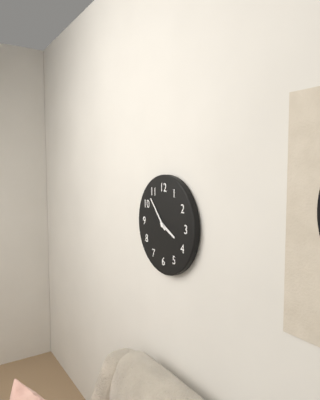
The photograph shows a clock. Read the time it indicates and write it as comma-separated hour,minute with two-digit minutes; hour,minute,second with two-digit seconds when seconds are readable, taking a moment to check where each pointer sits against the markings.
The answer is 3,53
